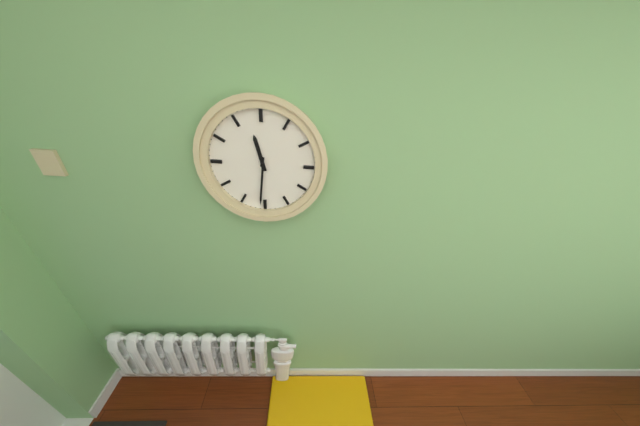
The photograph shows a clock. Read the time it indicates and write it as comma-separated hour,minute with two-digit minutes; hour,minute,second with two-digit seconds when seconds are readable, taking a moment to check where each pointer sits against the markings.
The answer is 11,31
